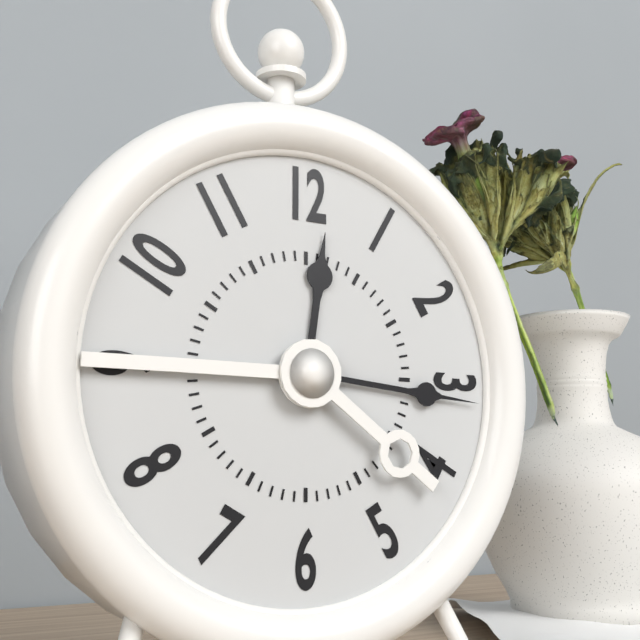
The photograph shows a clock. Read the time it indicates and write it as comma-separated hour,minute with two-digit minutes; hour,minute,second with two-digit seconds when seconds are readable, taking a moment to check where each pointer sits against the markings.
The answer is 12,16
